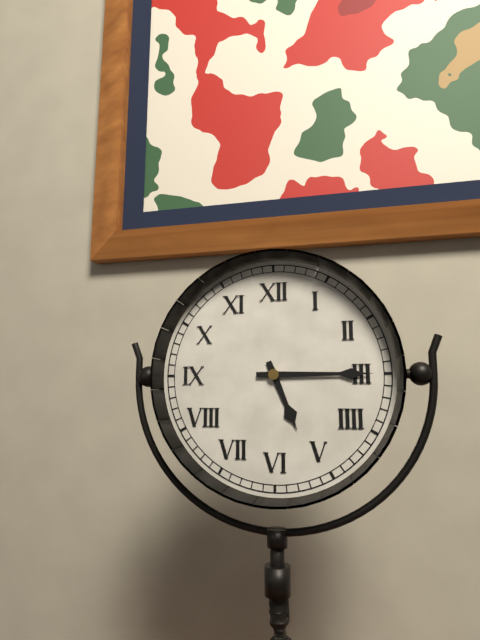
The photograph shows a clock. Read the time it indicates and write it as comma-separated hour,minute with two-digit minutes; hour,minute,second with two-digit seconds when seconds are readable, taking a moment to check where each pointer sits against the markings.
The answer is 5,15
